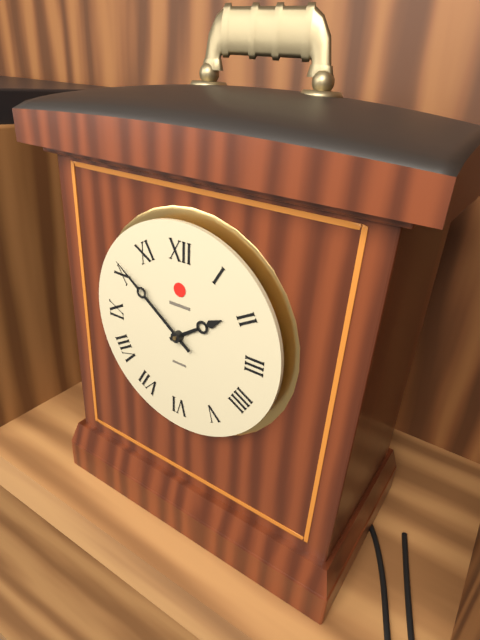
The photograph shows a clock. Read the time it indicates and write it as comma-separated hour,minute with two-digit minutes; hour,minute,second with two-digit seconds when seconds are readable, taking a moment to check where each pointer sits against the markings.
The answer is 1,51
